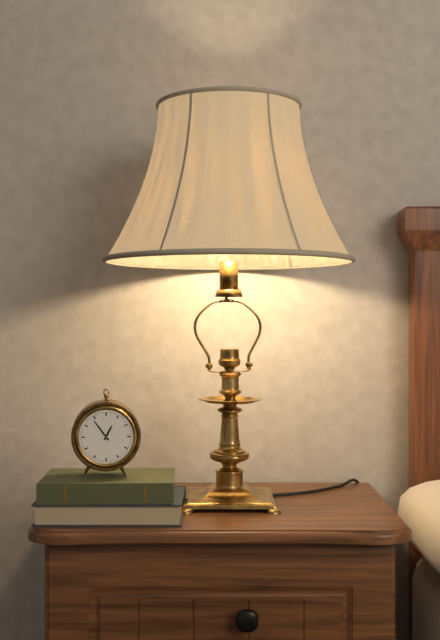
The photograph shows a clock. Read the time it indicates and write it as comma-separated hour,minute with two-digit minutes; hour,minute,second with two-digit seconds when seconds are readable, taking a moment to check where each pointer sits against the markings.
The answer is 12,54
